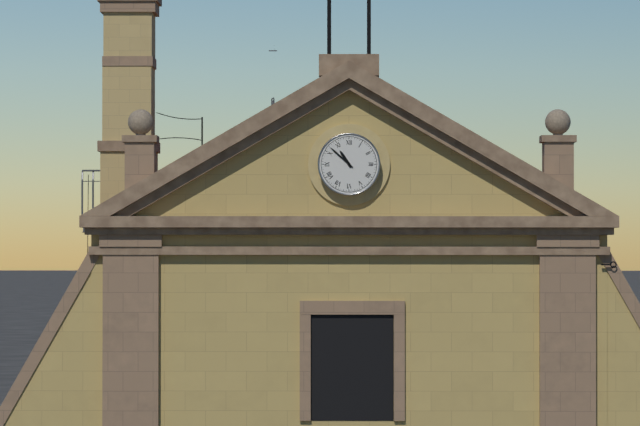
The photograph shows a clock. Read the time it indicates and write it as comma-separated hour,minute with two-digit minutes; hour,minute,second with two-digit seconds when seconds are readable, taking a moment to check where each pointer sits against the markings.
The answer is 10,52
